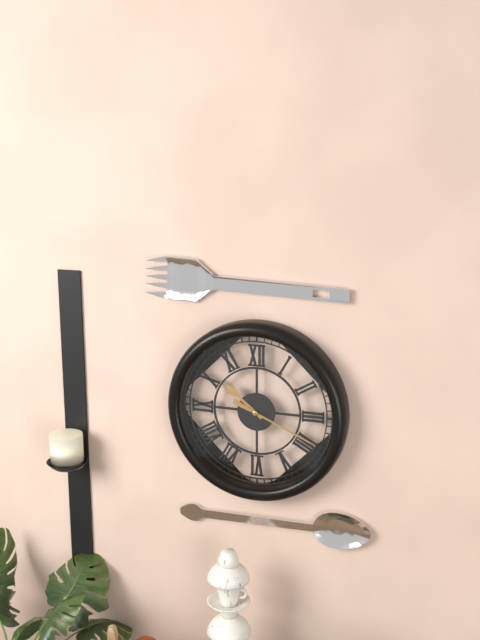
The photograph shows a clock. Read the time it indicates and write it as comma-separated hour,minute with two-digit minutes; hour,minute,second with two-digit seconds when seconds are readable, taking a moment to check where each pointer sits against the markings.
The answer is 10,19
